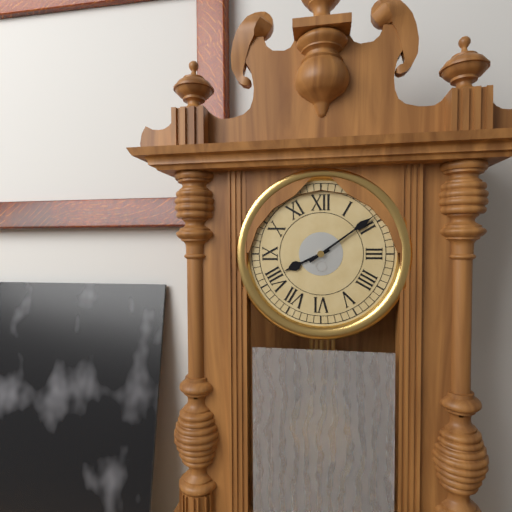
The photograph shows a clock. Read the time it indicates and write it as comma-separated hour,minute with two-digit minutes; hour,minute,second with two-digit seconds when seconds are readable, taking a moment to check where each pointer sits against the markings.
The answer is 8,09
